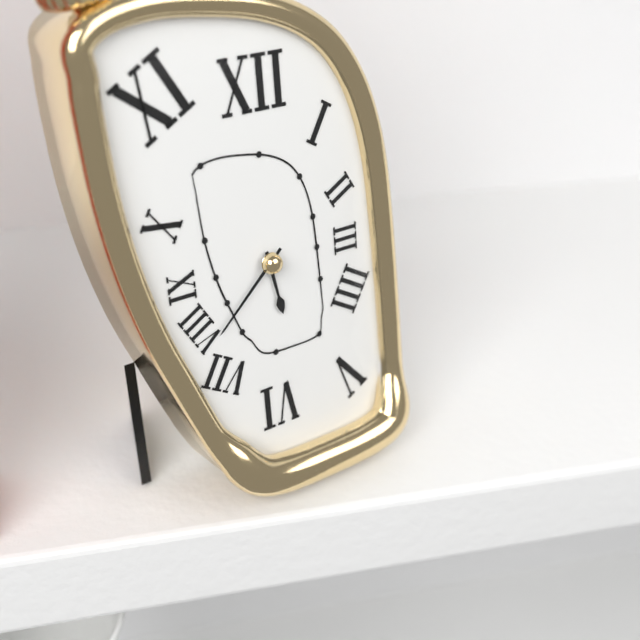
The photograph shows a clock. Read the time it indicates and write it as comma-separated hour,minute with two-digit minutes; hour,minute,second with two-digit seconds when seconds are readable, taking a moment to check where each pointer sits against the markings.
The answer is 5,38
